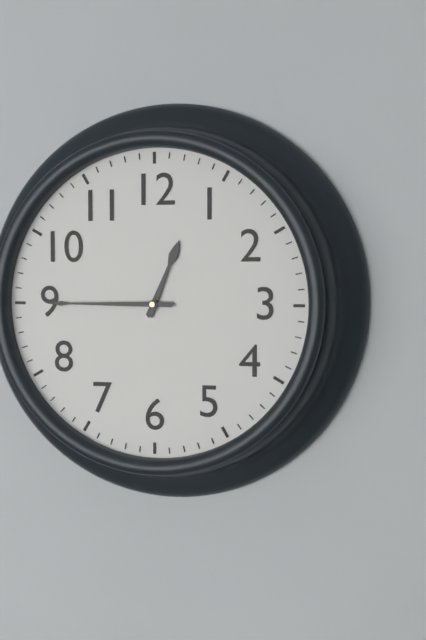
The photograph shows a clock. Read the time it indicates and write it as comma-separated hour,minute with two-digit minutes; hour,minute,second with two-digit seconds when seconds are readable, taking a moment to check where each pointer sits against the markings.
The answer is 12,45
